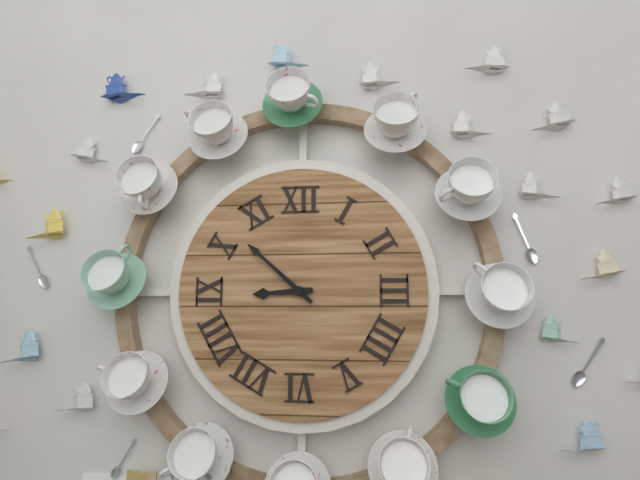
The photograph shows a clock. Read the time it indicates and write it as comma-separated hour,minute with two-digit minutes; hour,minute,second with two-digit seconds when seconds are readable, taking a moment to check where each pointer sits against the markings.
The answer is 8,52
